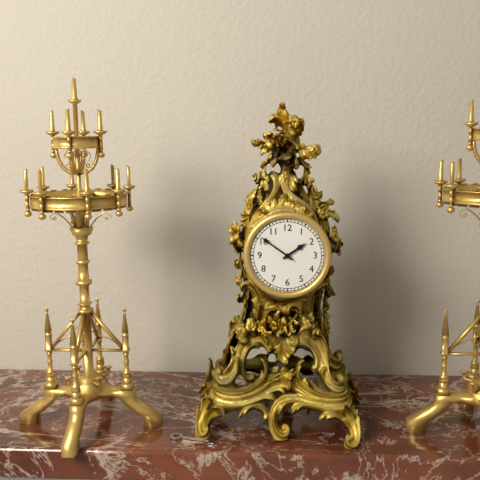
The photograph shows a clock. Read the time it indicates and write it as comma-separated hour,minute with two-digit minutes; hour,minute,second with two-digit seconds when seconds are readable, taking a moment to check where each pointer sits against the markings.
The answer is 1,51
